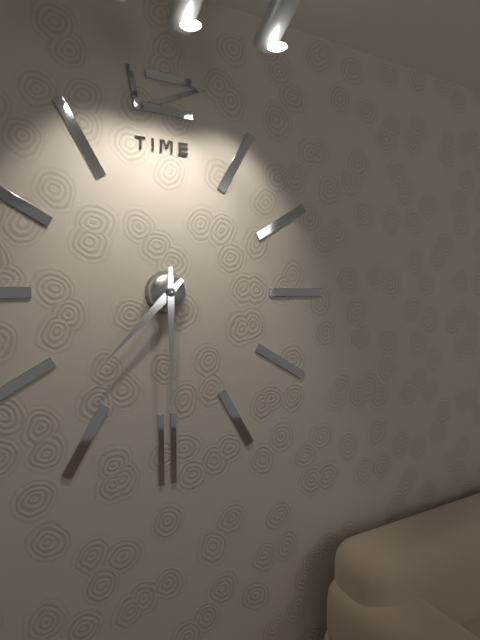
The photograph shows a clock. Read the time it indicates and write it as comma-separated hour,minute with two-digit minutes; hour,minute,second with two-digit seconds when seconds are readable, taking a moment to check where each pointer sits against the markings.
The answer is 7,30
